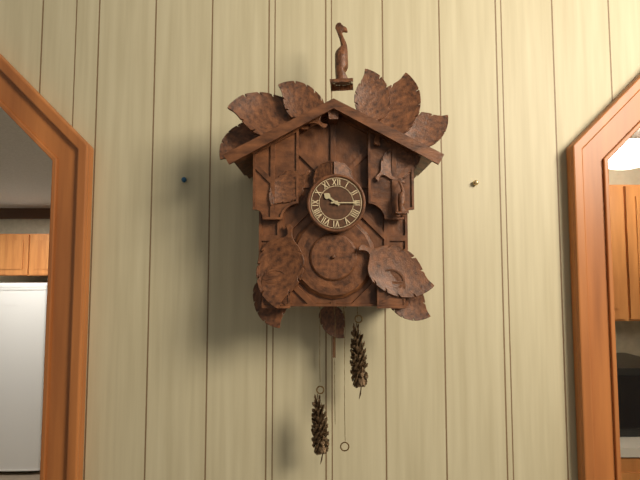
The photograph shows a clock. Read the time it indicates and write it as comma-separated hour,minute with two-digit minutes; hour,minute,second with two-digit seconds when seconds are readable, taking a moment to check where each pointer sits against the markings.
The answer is 10,15
